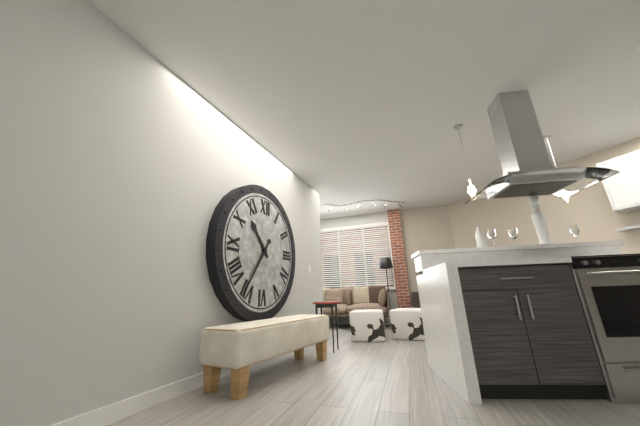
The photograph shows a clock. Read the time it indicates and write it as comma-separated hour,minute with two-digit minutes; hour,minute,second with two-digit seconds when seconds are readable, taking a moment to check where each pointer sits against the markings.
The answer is 10,36
